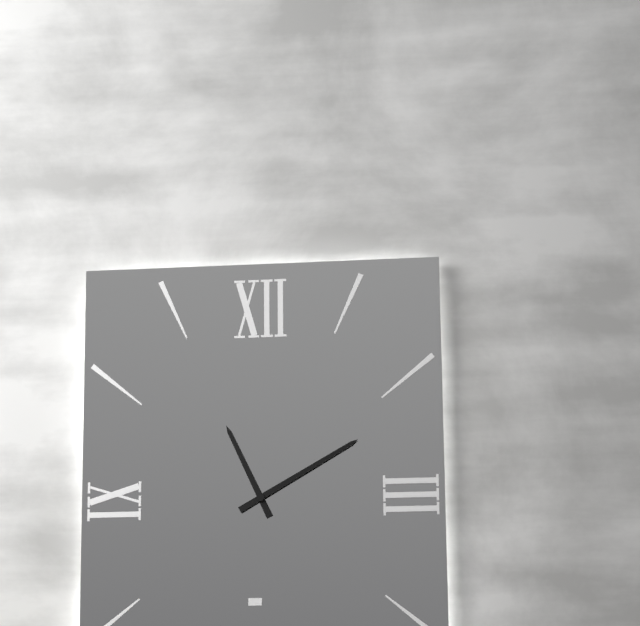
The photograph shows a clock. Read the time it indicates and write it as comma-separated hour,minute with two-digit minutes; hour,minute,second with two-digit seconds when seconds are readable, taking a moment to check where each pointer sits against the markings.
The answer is 11,10
